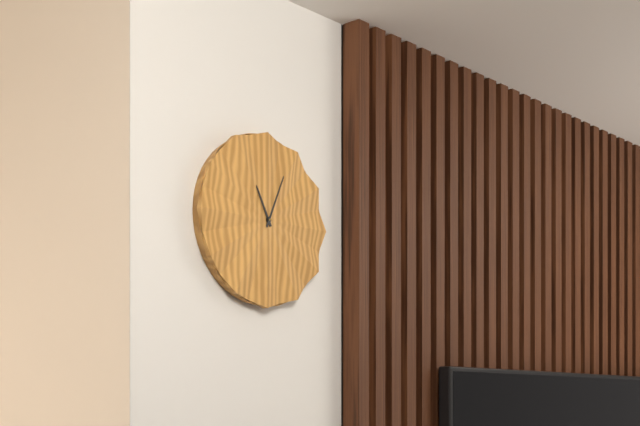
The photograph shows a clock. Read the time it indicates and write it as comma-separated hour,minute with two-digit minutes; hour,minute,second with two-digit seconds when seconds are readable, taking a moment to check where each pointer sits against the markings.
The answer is 11,04
